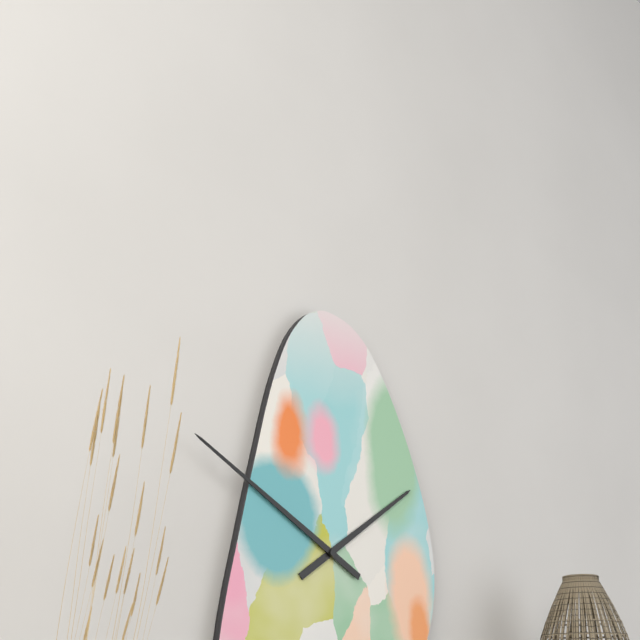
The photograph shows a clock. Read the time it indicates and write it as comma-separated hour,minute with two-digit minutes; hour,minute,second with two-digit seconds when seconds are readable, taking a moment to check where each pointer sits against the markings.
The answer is 1,50
